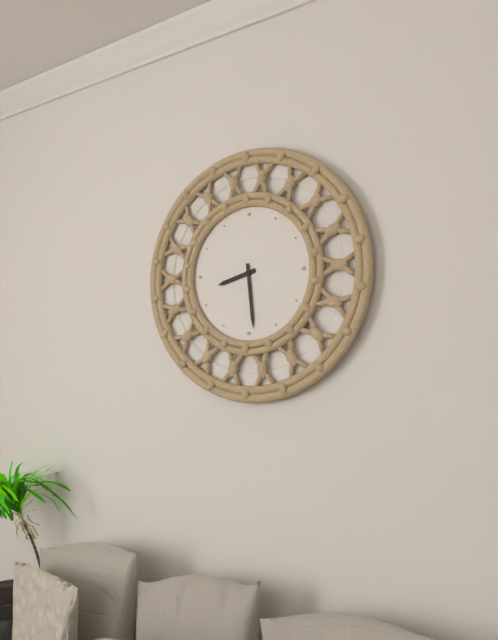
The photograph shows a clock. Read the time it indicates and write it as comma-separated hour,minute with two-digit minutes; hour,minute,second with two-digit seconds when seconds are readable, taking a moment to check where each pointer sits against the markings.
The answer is 8,29
